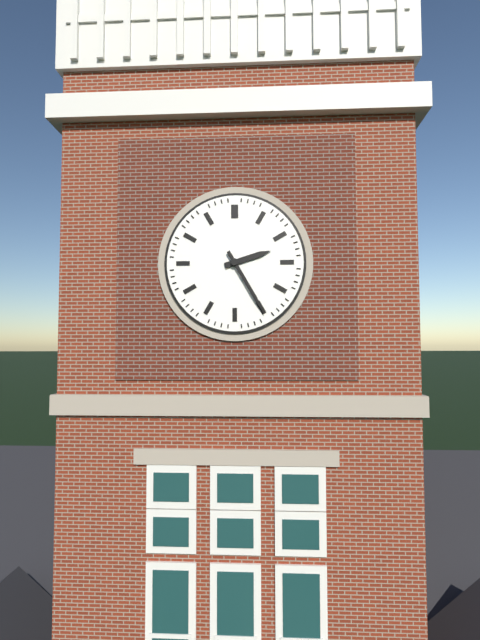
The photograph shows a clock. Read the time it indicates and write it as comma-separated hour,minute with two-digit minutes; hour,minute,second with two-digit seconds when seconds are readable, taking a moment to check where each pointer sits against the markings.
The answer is 2,25
